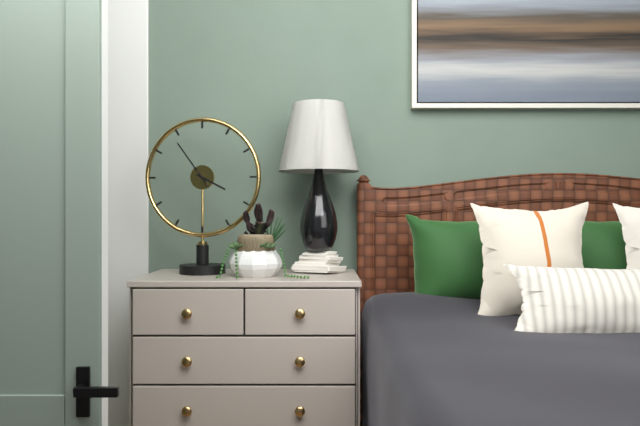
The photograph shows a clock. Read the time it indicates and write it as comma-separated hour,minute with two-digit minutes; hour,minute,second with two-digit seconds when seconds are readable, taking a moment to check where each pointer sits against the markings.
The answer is 3,54
